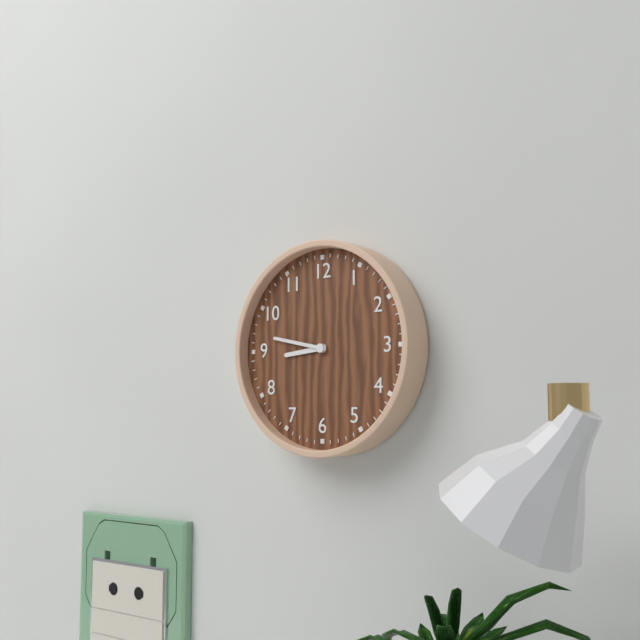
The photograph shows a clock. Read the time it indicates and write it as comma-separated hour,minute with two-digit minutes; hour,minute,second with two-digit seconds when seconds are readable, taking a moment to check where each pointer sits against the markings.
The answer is 8,47
